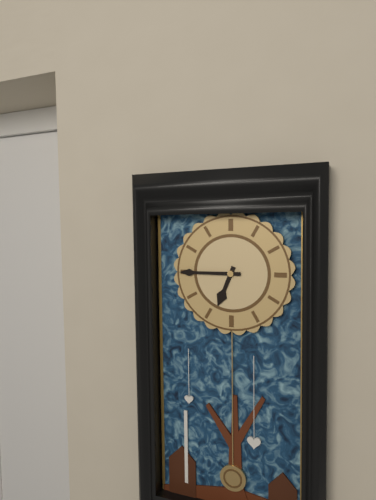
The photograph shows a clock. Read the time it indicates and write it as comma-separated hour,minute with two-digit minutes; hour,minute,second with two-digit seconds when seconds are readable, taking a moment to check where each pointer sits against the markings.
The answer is 6,45
